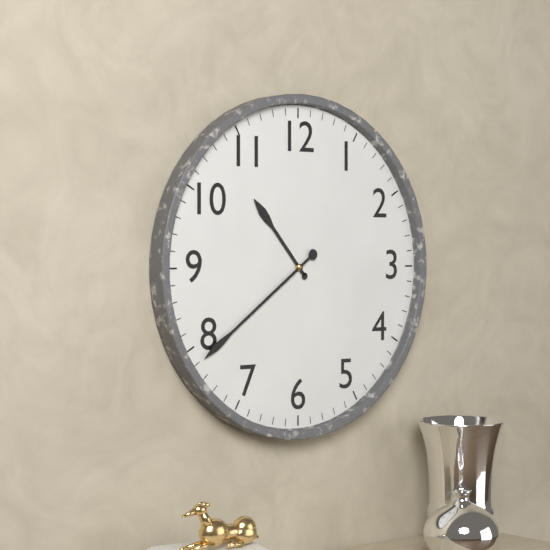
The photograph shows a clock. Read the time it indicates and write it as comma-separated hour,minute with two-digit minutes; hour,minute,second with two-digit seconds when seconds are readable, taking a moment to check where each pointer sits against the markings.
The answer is 10,39
